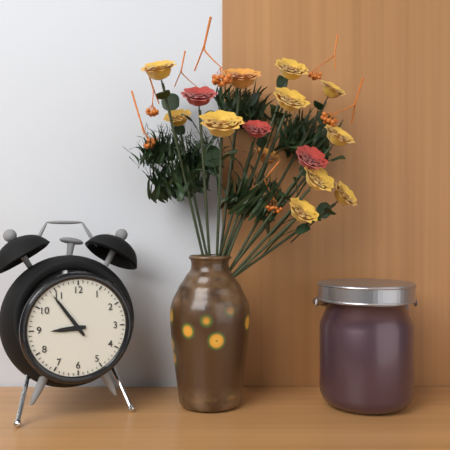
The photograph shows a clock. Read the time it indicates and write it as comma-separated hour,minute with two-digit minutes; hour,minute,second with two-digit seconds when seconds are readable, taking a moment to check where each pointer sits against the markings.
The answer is 8,54
